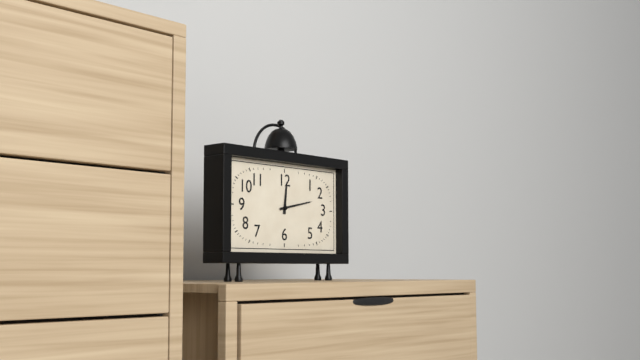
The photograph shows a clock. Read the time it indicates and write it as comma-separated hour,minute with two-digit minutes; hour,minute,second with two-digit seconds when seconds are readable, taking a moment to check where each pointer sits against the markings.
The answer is 12,13
